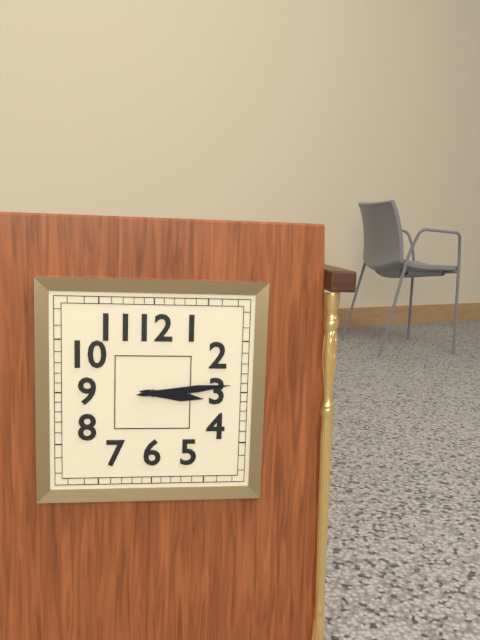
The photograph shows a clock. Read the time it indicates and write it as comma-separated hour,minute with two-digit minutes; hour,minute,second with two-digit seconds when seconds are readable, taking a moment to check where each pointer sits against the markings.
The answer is 3,14
